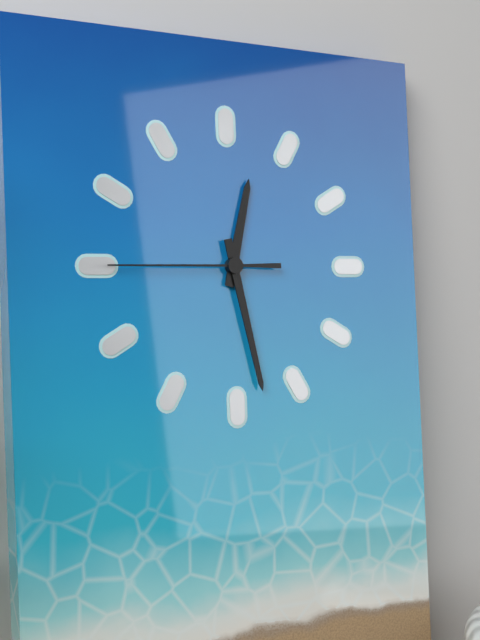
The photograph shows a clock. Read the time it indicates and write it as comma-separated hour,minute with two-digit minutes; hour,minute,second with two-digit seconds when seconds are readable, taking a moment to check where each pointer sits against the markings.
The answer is 12,28,45
